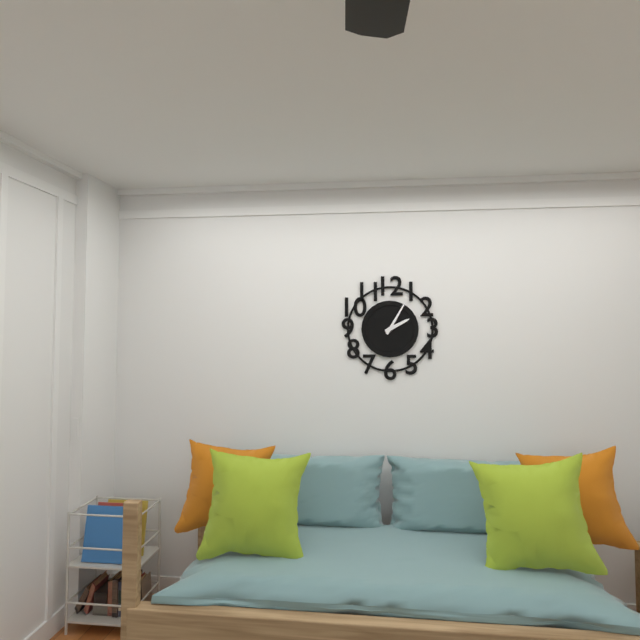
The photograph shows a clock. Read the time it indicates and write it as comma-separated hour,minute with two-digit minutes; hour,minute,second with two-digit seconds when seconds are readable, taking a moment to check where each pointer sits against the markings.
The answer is 2,05
